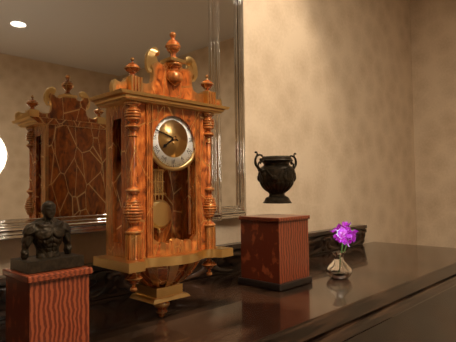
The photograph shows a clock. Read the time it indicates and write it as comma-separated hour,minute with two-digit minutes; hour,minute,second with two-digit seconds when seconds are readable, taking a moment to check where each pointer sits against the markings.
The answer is 7,48
